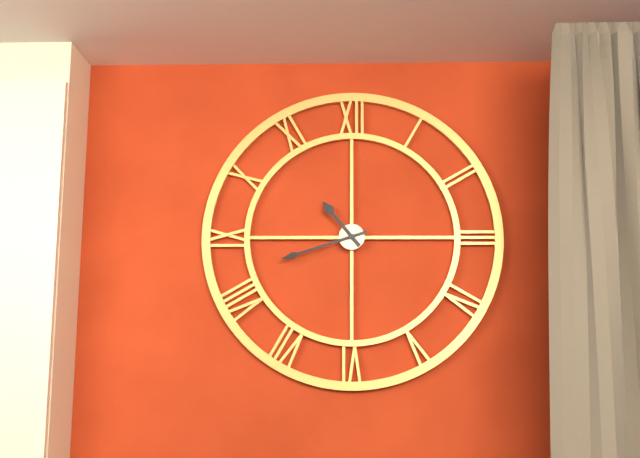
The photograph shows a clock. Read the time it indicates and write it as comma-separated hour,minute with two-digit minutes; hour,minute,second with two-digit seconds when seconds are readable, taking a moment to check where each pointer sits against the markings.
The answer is 10,42
